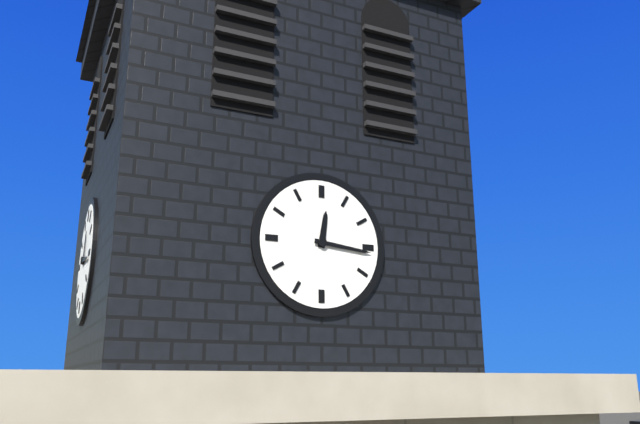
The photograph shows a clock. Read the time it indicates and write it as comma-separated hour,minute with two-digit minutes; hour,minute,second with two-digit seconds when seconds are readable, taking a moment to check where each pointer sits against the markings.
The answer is 12,16
